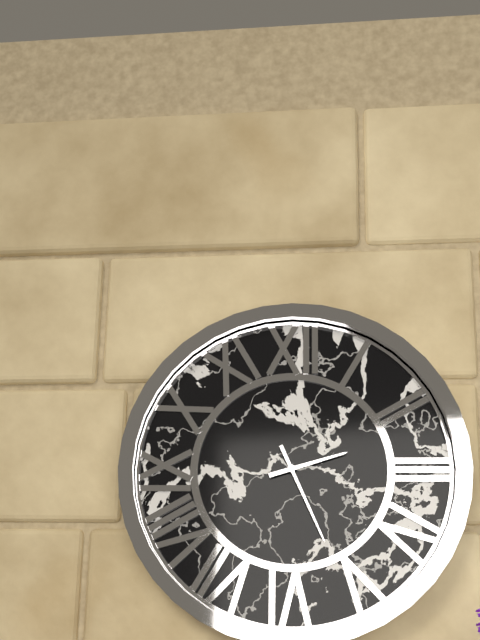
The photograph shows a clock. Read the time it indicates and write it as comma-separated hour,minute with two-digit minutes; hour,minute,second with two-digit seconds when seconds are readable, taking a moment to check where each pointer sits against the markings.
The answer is 2,26
